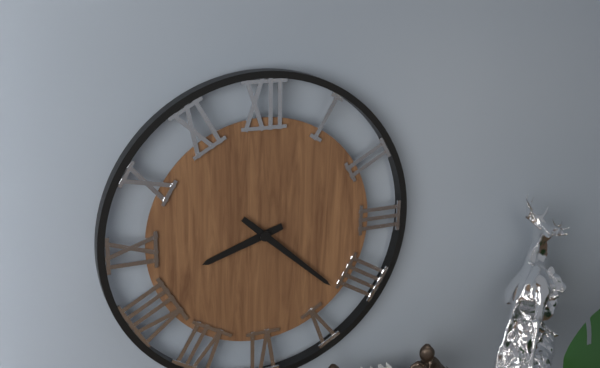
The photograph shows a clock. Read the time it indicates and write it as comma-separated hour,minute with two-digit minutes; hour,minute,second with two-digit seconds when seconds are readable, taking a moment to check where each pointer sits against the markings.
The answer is 8,22
